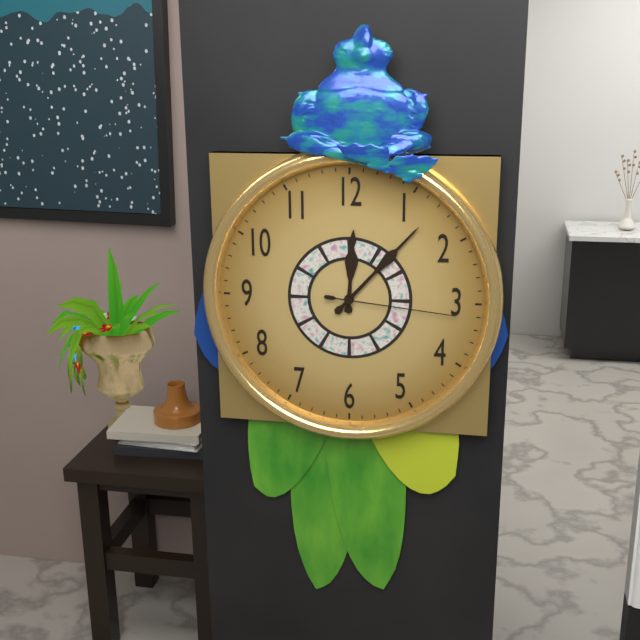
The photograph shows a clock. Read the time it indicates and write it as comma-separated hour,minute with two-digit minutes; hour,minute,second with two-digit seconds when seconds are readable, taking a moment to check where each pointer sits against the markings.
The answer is 12,07,16
